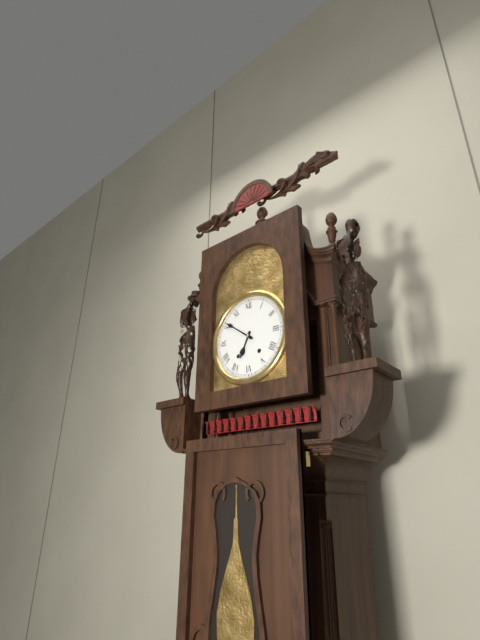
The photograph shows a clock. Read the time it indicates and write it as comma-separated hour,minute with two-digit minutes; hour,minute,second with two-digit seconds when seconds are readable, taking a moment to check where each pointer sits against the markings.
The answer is 6,51
